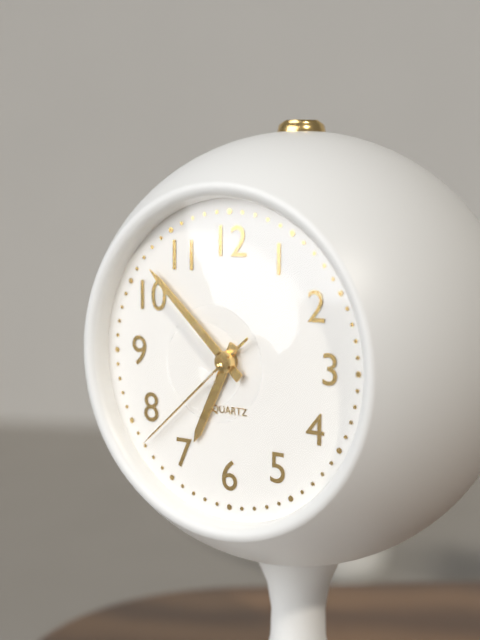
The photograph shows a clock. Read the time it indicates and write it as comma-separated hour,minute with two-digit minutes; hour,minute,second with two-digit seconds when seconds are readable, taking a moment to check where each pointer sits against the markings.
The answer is 6,52,38
